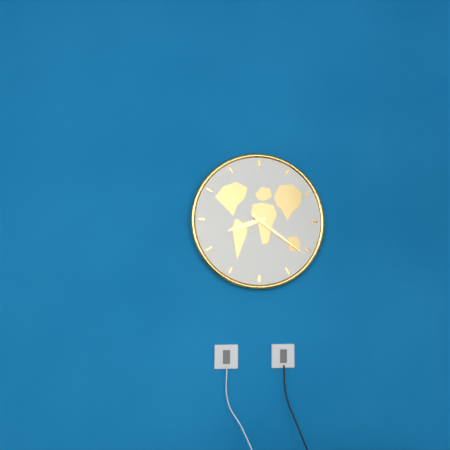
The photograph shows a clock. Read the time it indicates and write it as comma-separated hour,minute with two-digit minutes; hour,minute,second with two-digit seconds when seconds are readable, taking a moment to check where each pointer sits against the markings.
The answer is 8,21
